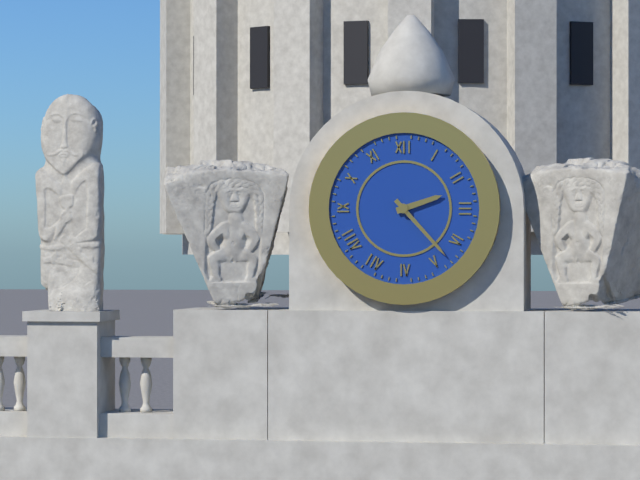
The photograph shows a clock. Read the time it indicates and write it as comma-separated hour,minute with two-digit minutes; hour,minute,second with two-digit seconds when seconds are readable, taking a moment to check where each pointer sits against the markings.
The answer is 2,23
